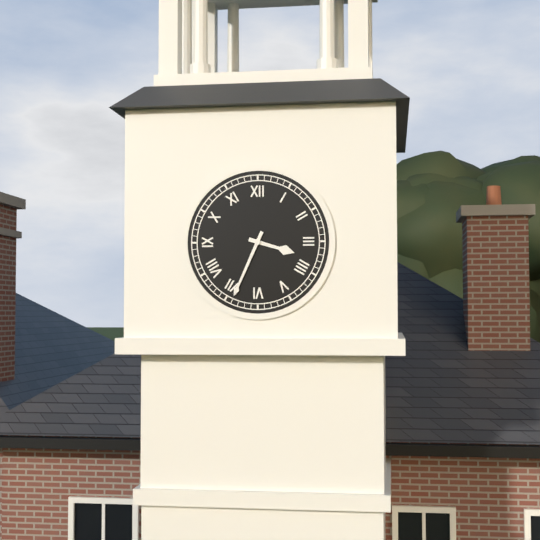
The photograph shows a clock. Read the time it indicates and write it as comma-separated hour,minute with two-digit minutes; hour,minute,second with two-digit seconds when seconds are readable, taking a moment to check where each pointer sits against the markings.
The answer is 3,34
